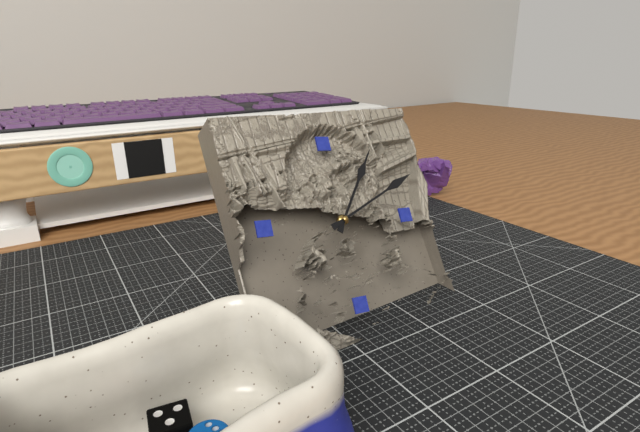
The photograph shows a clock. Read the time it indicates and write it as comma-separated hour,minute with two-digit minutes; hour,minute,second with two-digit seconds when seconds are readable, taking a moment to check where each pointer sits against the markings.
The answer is 1,11
